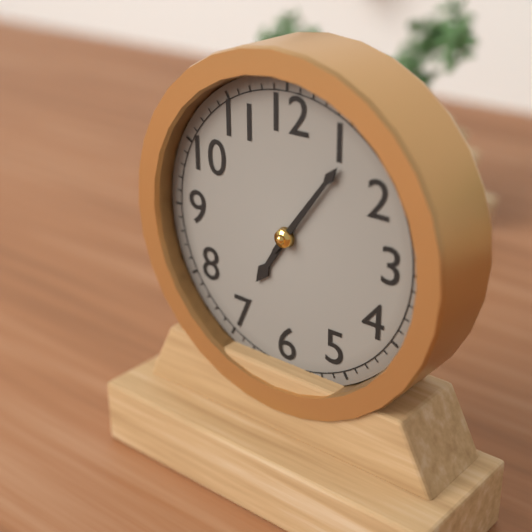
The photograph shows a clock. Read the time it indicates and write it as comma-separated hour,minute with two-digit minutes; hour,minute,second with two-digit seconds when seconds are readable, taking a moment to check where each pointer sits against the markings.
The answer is 7,06
